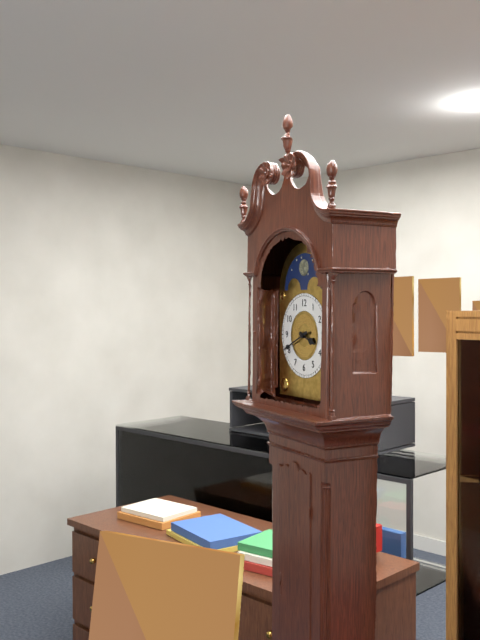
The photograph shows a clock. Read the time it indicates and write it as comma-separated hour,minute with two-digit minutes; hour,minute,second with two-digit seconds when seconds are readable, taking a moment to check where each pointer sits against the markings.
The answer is 3,41
